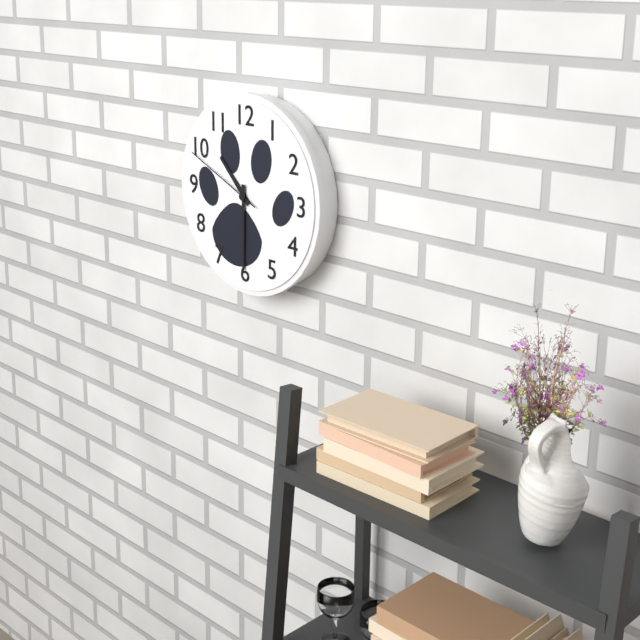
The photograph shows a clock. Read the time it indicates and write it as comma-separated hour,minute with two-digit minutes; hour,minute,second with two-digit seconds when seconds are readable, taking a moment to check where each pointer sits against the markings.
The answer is 10,30,49
